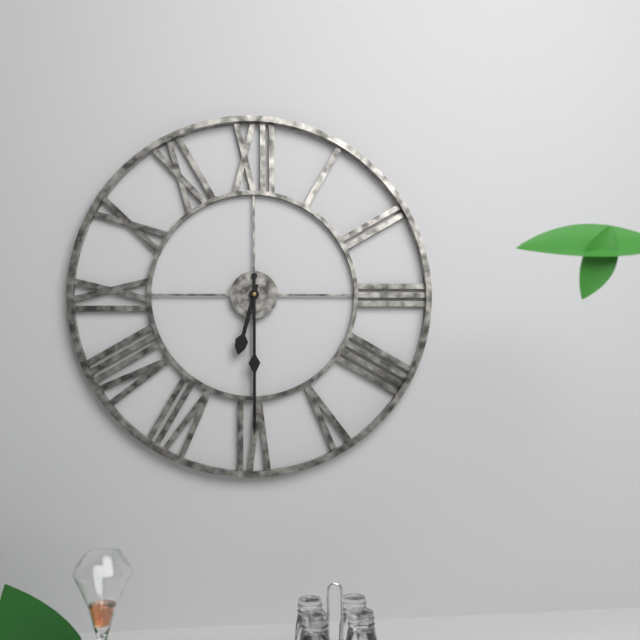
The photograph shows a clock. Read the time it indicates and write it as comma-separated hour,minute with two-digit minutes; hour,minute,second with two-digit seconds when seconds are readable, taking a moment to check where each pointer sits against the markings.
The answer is 6,30
